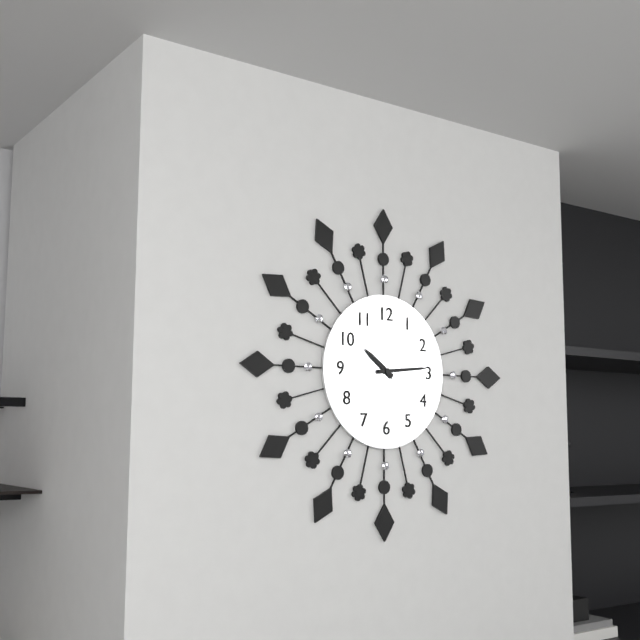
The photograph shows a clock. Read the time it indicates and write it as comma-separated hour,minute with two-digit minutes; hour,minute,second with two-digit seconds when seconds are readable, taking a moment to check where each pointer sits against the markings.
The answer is 10,14
